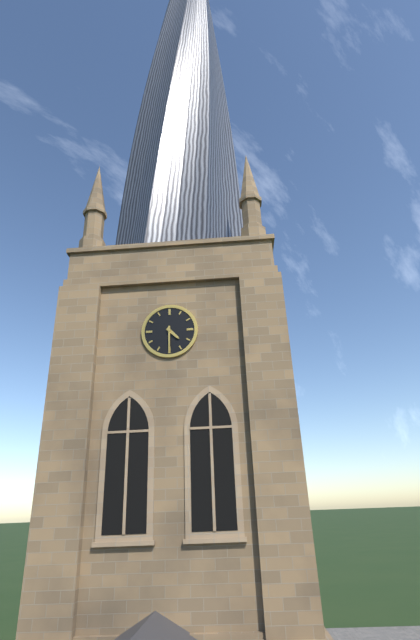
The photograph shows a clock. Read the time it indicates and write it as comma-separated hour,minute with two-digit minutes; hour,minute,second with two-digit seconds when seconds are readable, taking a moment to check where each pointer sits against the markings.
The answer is 4,30
